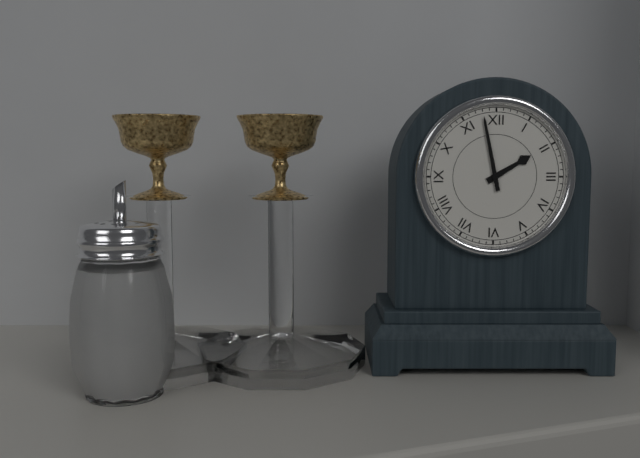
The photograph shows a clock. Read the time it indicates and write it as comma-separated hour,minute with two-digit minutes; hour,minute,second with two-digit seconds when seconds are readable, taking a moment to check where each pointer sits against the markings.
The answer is 1,58
